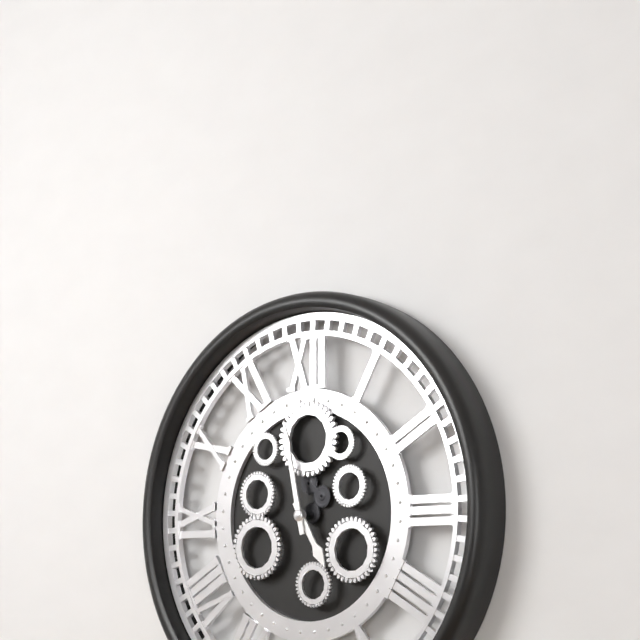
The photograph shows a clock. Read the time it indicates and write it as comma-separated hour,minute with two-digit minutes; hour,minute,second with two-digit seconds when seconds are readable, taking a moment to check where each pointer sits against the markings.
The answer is 4,58
